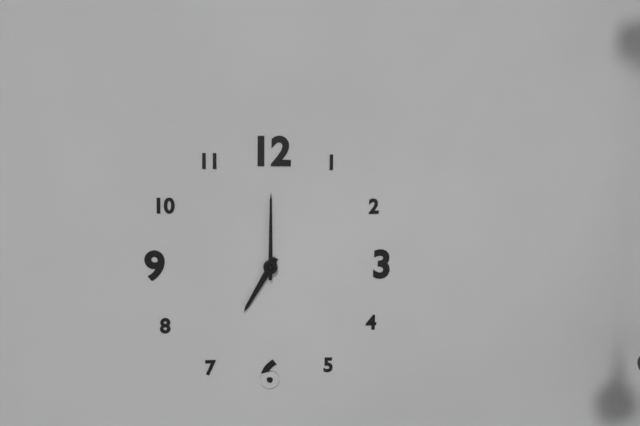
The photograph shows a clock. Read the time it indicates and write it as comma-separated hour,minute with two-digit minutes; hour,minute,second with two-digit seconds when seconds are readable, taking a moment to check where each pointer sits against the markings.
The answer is 7,00
